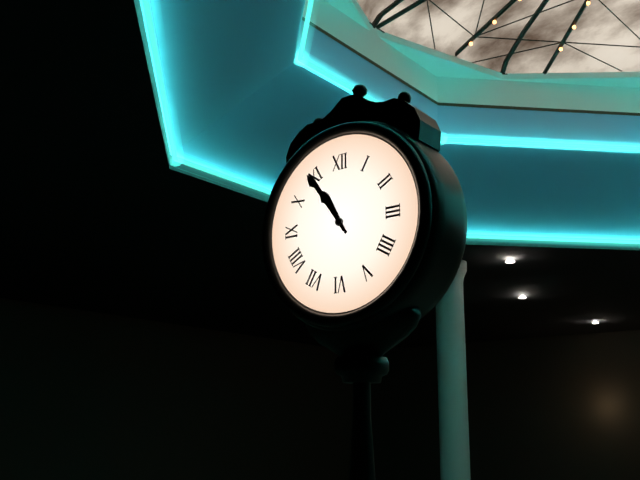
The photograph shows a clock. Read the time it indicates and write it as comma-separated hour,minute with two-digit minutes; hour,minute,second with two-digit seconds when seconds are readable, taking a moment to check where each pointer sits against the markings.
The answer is 10,54
